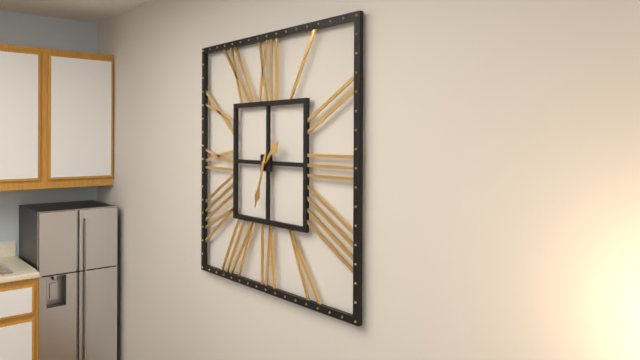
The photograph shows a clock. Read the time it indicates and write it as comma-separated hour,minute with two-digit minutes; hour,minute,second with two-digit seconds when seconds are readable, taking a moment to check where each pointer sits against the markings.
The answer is 1,33
